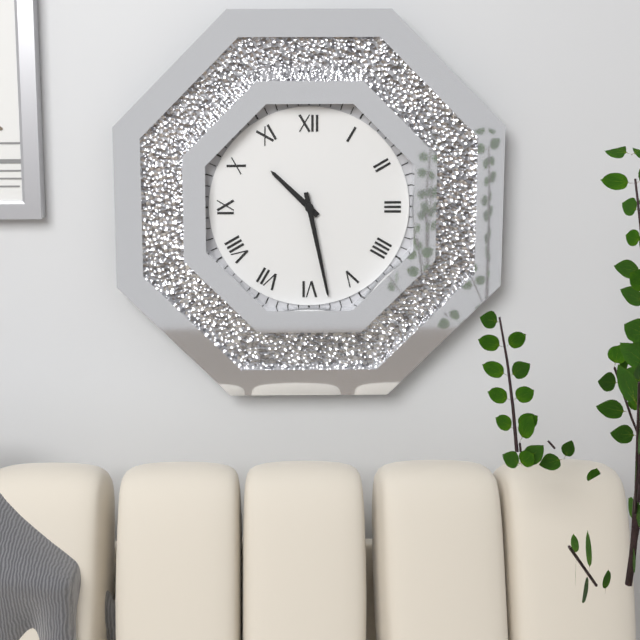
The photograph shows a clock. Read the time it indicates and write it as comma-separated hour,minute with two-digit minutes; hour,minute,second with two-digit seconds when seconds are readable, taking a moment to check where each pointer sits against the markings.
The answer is 10,28
